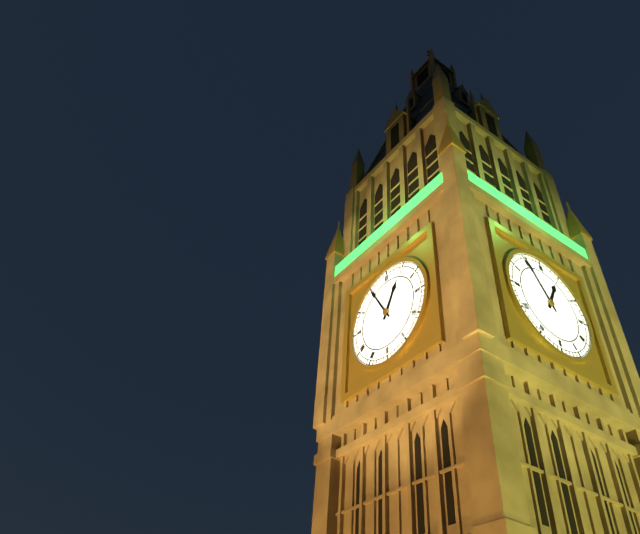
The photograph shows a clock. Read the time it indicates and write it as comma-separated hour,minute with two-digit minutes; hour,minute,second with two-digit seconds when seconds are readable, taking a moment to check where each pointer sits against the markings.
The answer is 12,55
